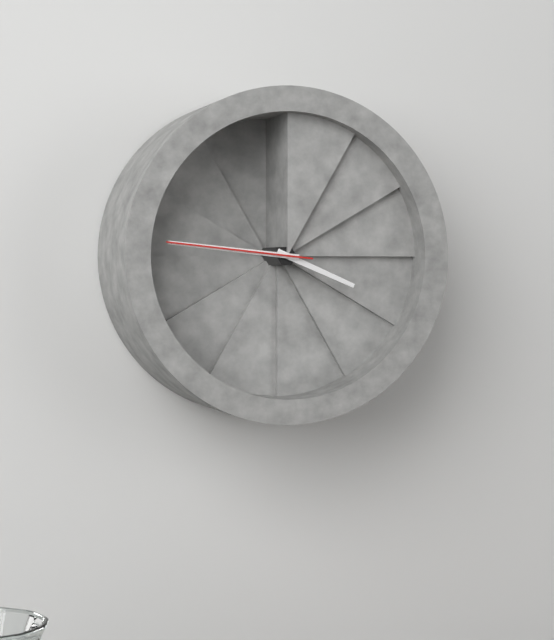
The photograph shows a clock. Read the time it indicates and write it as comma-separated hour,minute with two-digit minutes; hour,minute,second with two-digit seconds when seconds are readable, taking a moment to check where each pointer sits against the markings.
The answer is 3,46,46
